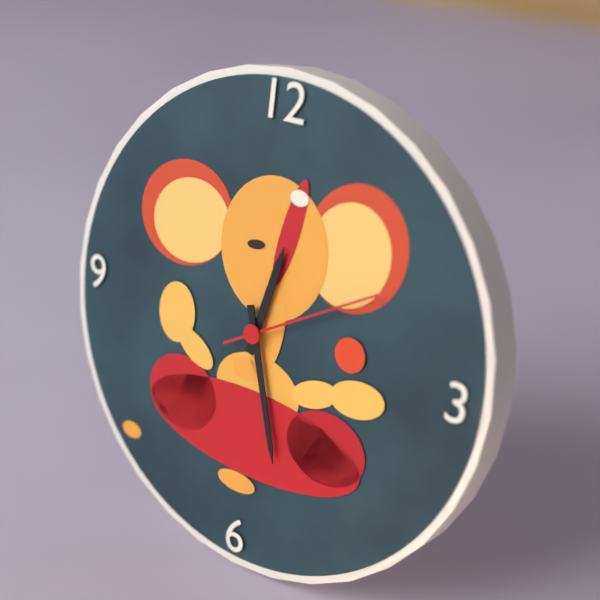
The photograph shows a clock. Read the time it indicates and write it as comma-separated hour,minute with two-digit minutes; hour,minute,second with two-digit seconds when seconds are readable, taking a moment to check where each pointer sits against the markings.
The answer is 12,27,10
